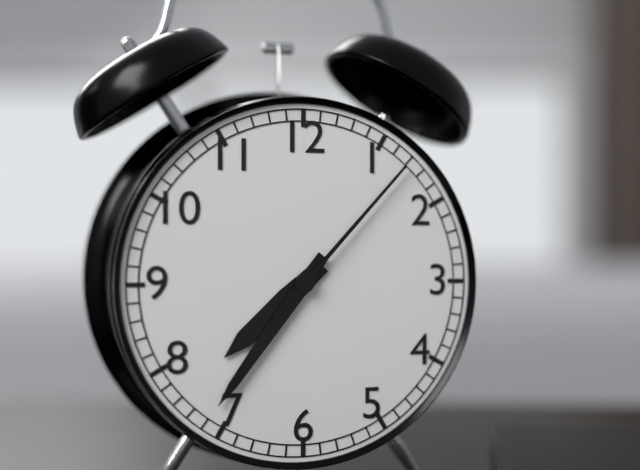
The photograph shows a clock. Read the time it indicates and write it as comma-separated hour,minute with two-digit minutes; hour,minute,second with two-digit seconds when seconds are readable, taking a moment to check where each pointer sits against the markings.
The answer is 7,36,07
